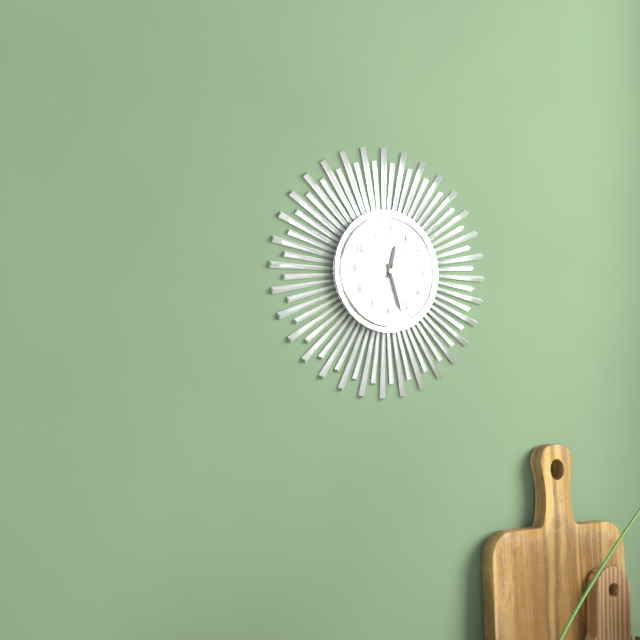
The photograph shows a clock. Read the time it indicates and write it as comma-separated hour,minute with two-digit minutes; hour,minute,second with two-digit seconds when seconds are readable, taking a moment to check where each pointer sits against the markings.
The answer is 12,27,05
